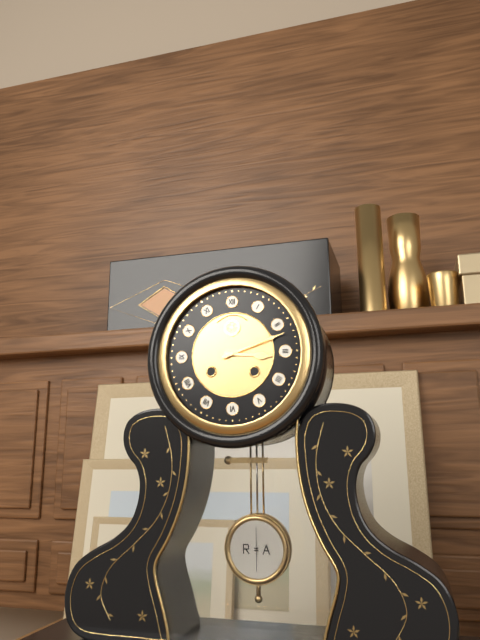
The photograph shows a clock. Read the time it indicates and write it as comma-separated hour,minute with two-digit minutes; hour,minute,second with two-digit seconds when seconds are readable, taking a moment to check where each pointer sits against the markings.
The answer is 3,12
